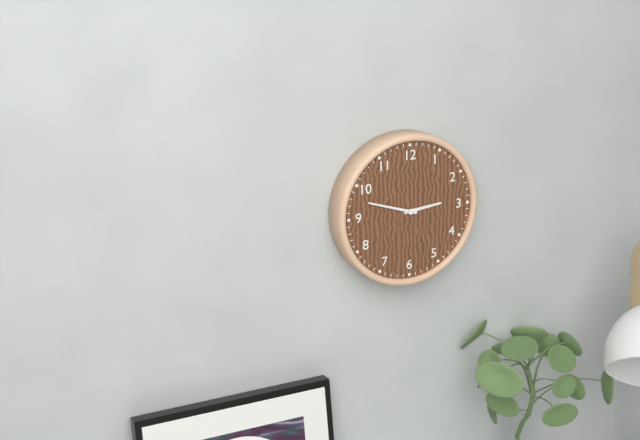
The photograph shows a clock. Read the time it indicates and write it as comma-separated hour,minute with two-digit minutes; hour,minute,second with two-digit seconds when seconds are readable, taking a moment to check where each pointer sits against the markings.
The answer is 2,48
